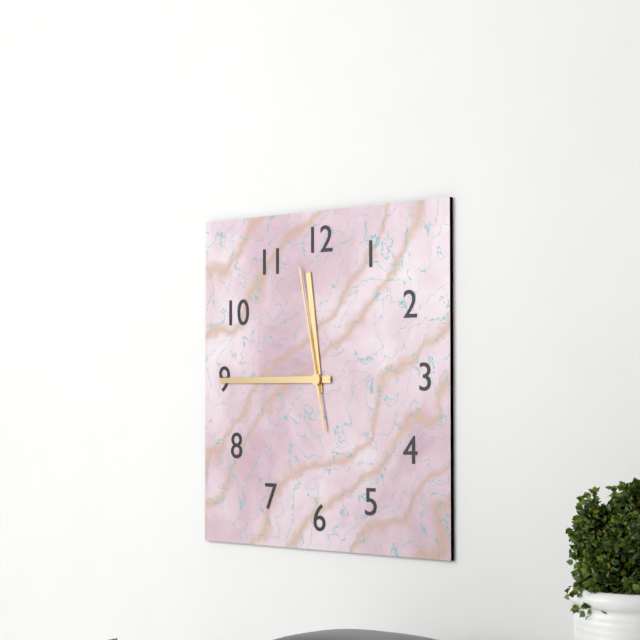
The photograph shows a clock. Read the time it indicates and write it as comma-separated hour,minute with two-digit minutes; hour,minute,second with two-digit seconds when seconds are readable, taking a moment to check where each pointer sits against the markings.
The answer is 11,45,58
